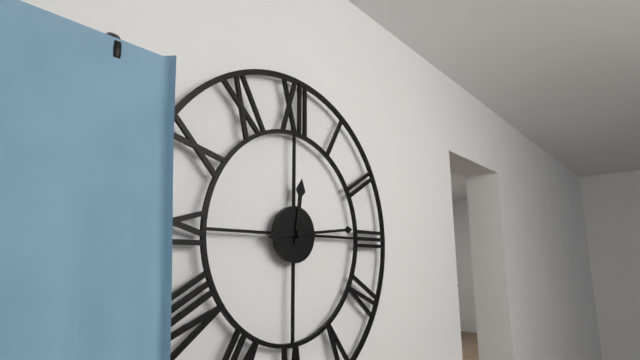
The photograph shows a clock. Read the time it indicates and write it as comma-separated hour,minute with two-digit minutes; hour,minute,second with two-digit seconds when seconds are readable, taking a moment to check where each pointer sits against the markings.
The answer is 12,14
